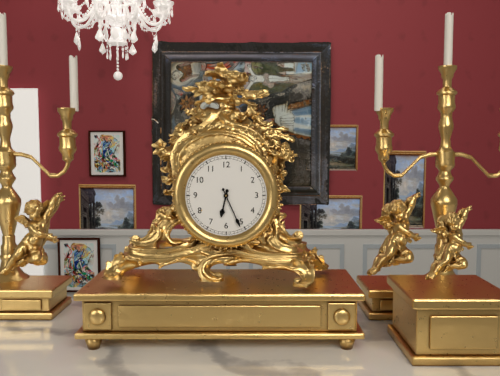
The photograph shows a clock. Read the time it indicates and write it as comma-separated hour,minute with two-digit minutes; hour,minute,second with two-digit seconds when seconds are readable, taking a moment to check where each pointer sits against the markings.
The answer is 6,26
